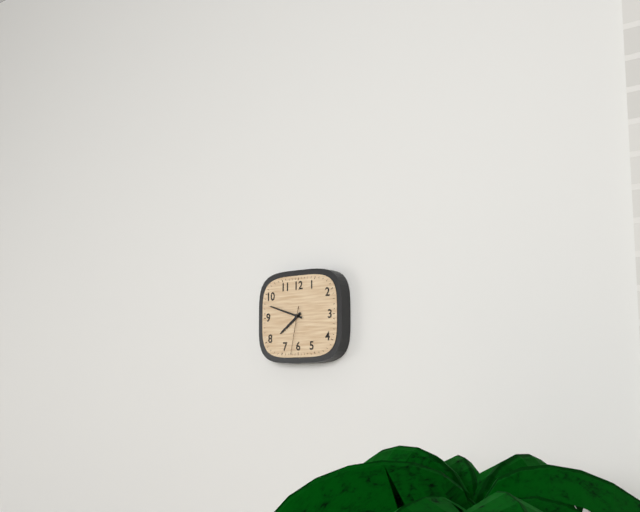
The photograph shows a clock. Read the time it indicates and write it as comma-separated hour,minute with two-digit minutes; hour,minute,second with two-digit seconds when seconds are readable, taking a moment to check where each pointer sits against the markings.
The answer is 7,48,32
